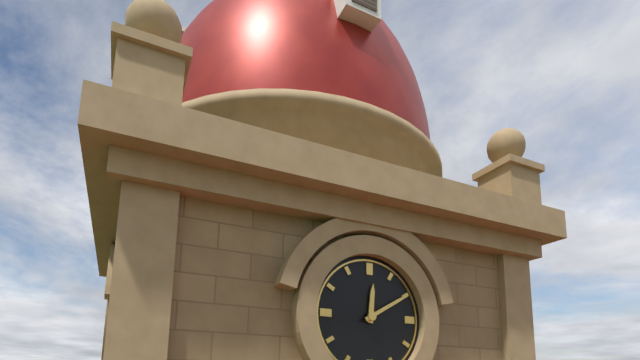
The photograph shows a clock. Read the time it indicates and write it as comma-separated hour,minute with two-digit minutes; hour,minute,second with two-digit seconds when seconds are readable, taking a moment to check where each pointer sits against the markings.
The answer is 12,10
